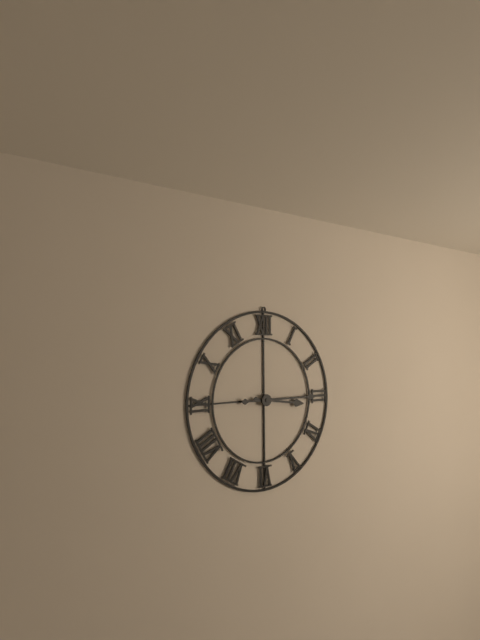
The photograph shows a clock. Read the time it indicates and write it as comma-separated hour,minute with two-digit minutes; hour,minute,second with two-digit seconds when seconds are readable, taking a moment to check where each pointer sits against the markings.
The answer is 3,15
